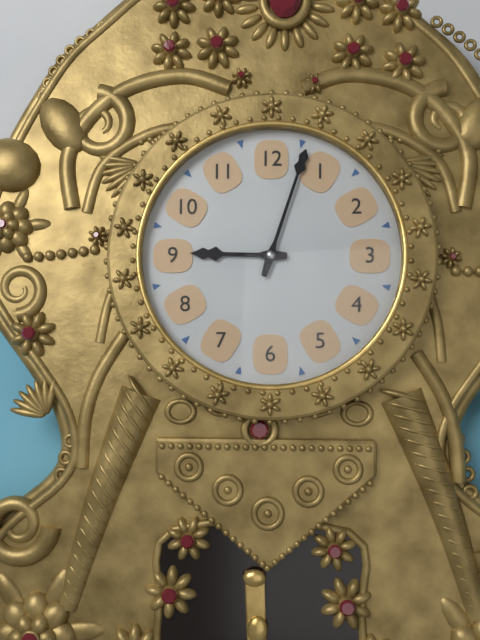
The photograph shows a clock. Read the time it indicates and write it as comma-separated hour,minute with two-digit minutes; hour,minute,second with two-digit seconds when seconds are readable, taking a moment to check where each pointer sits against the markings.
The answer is 9,03
